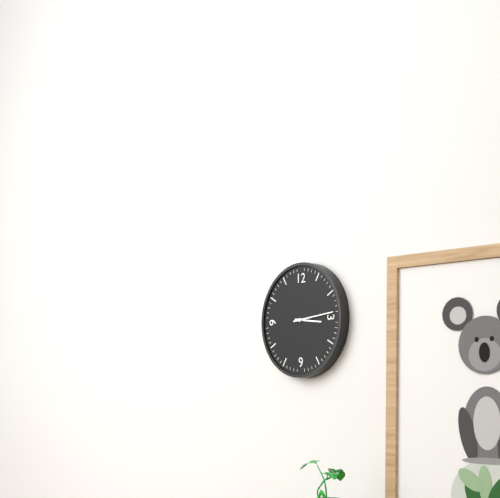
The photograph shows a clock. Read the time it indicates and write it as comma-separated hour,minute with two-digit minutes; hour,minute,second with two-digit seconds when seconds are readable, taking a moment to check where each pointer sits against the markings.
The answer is 3,14
